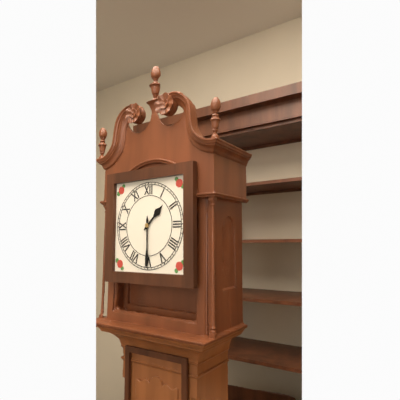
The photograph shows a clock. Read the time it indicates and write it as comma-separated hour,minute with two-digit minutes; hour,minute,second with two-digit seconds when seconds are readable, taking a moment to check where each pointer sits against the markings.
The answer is 1,30
